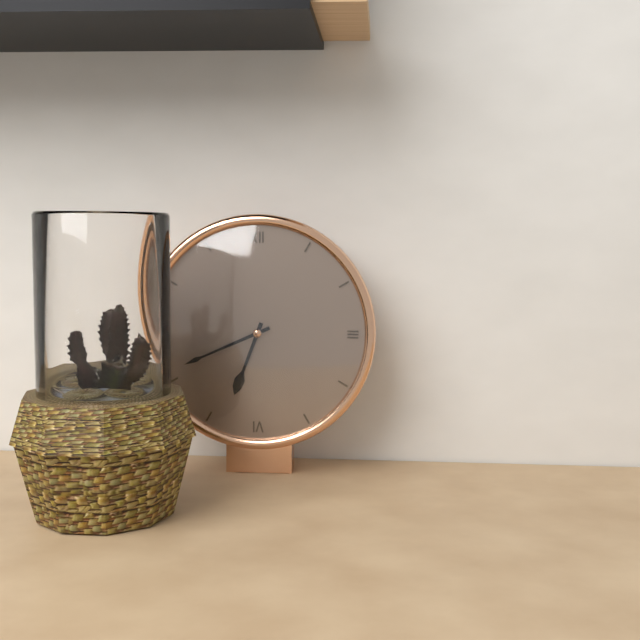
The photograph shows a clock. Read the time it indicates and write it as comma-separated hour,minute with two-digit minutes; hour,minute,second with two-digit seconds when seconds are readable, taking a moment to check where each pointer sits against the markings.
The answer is 6,41
